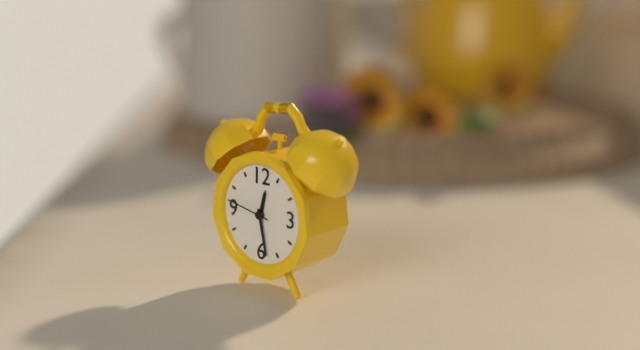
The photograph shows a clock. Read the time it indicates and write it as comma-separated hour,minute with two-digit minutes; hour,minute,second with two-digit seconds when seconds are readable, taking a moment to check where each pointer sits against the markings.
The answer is 12,28
